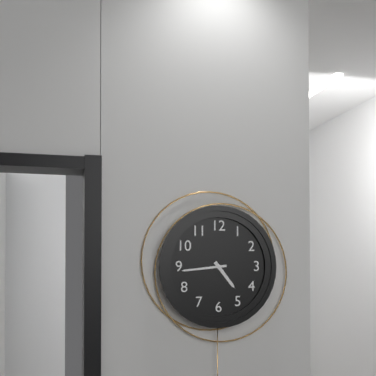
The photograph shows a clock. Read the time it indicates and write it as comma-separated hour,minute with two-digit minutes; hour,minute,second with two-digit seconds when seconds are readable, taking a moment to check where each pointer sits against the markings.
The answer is 4,44
